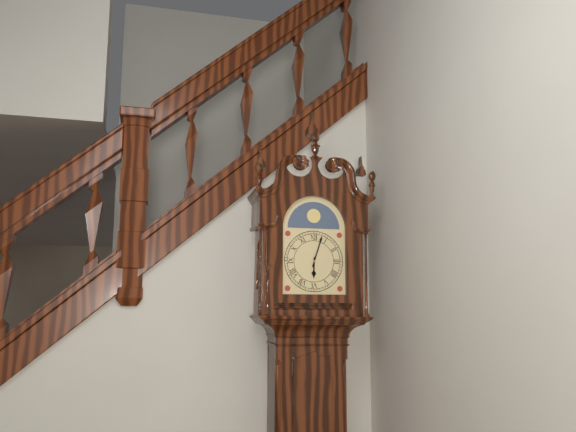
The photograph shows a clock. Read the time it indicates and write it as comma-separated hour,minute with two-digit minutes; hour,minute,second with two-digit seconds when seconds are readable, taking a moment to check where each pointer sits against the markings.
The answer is 6,03
